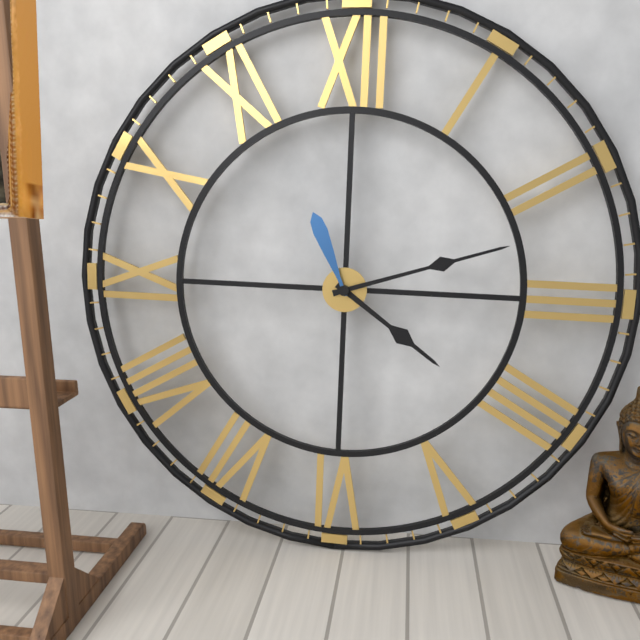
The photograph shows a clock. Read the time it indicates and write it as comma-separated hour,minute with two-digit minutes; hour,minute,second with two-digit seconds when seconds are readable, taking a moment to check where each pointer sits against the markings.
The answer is 4,12,56
